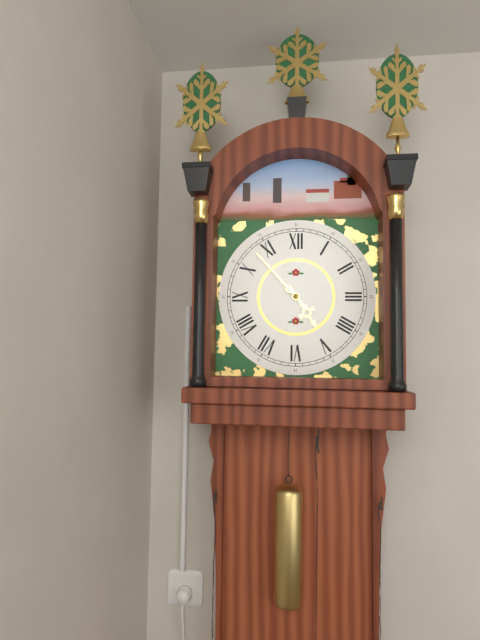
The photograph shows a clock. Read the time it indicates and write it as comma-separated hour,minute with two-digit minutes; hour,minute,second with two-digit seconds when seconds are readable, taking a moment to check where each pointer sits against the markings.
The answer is 4,53
